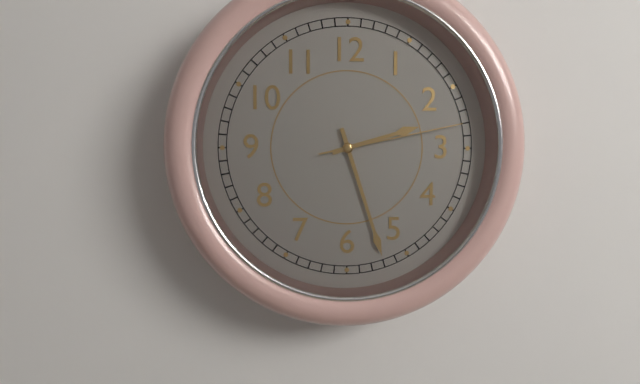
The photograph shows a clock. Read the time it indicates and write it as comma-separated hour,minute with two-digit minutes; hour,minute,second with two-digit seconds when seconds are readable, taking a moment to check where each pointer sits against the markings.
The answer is 2,27,13
